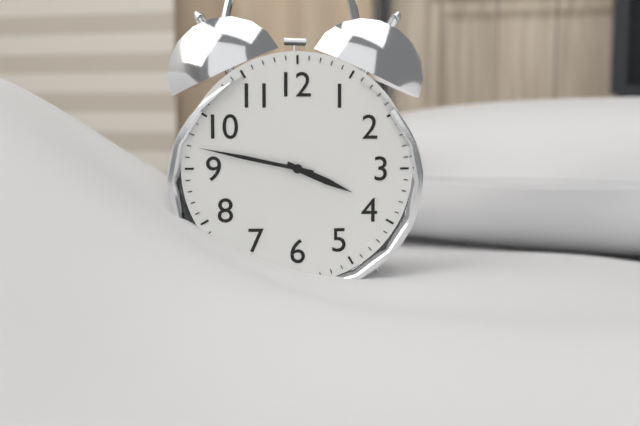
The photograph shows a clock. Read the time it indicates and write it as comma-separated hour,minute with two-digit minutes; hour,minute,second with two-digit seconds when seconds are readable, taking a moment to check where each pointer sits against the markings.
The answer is 3,47
